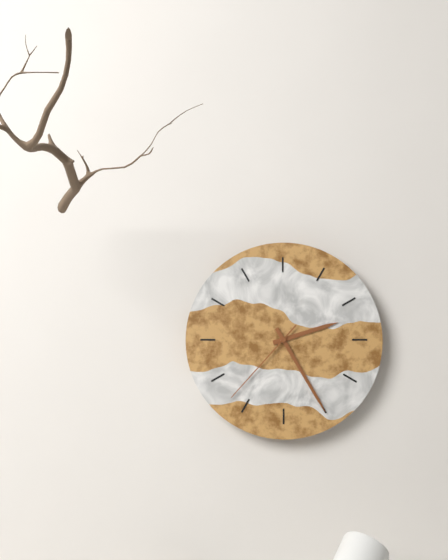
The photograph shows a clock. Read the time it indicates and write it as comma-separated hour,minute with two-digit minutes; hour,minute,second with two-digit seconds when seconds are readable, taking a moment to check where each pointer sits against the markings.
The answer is 2,25,37
